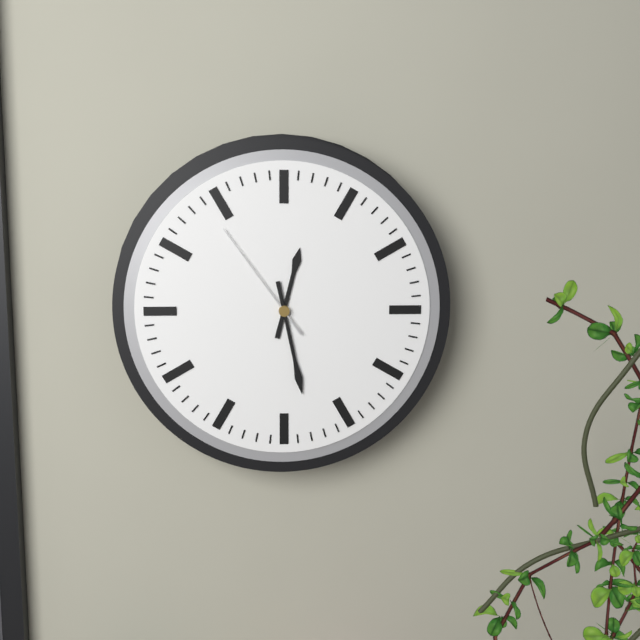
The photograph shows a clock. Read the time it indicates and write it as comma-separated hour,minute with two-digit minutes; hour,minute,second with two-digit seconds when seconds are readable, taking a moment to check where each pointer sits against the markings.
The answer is 12,28,54
